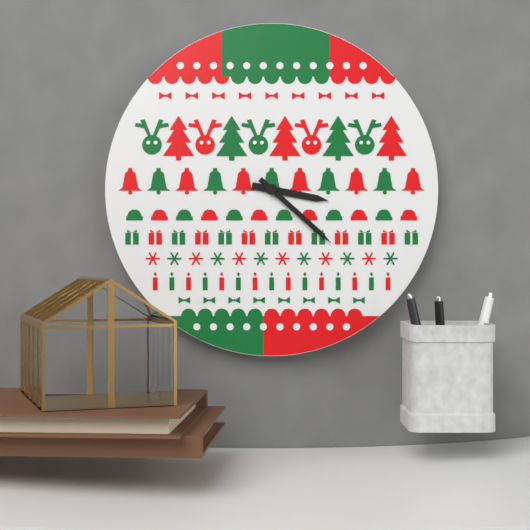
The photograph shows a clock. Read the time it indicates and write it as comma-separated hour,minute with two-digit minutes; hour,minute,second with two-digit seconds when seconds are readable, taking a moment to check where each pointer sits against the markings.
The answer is 3,22
